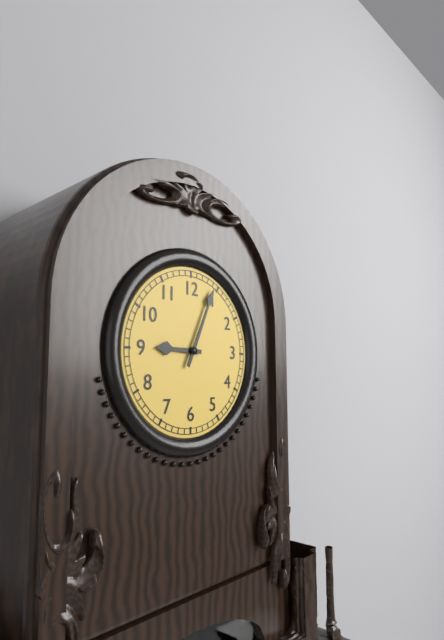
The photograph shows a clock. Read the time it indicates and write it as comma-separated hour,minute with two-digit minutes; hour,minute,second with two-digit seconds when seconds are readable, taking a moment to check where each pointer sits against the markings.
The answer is 9,04
